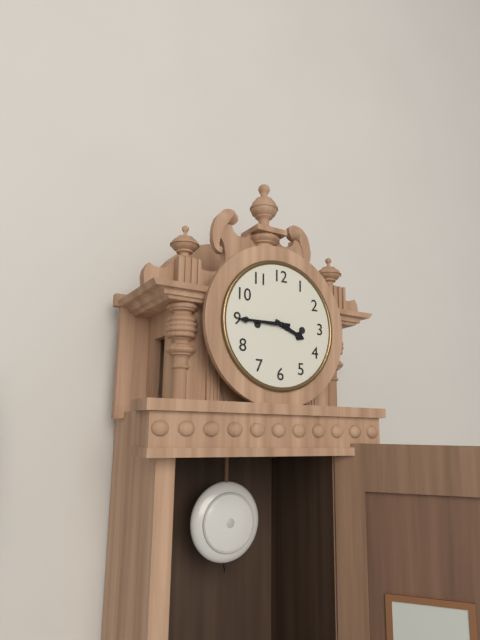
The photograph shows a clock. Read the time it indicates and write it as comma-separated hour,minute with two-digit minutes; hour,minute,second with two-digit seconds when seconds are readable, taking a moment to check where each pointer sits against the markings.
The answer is 3,45
